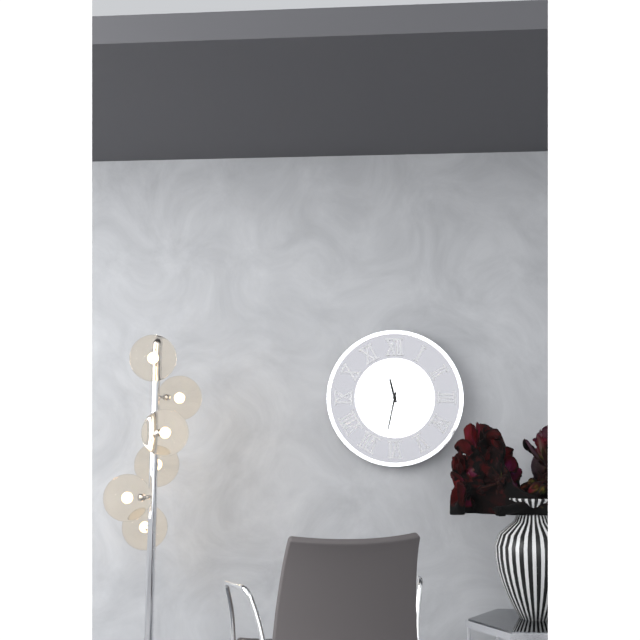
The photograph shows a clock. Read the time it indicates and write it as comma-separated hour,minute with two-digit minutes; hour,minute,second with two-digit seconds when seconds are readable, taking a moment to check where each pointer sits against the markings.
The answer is 11,32
